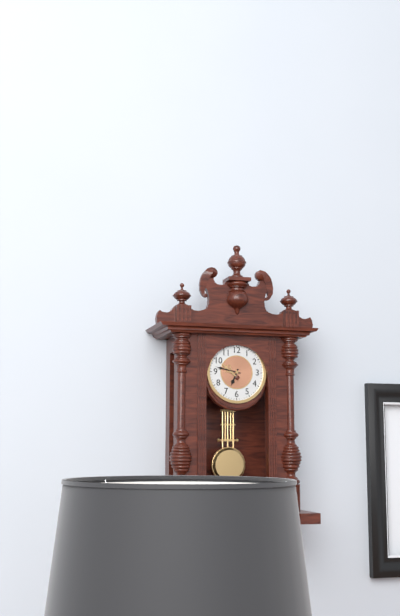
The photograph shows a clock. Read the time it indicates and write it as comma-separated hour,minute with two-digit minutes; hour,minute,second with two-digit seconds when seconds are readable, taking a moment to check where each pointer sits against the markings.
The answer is 6,47
